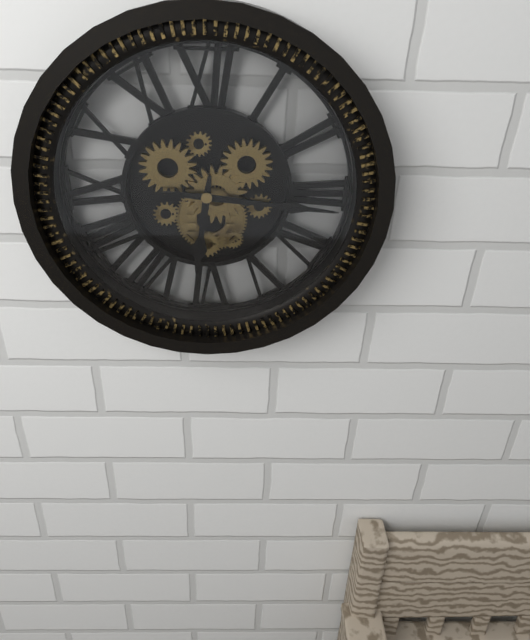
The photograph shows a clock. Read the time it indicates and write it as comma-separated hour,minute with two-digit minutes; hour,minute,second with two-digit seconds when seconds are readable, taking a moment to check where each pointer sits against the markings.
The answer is 6,16
